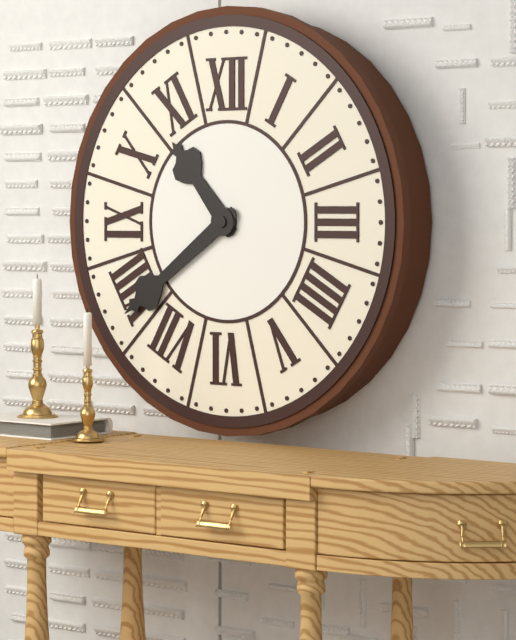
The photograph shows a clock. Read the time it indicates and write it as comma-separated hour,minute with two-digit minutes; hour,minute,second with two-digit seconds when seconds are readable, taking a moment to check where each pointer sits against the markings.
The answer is 10,39
